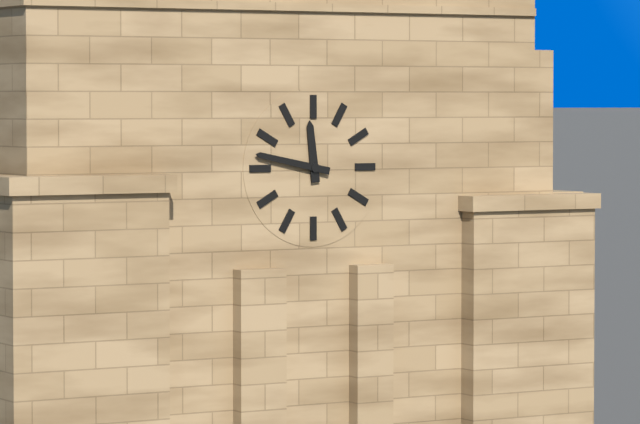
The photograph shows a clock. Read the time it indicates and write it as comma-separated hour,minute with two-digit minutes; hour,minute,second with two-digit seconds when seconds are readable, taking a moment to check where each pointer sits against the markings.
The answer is 11,47
